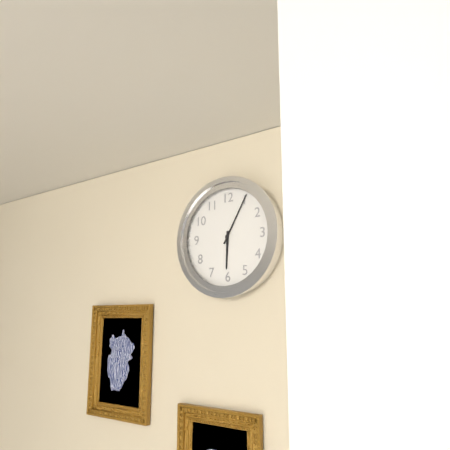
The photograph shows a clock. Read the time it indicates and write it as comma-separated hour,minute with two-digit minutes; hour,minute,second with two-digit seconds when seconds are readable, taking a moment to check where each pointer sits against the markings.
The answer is 6,05
